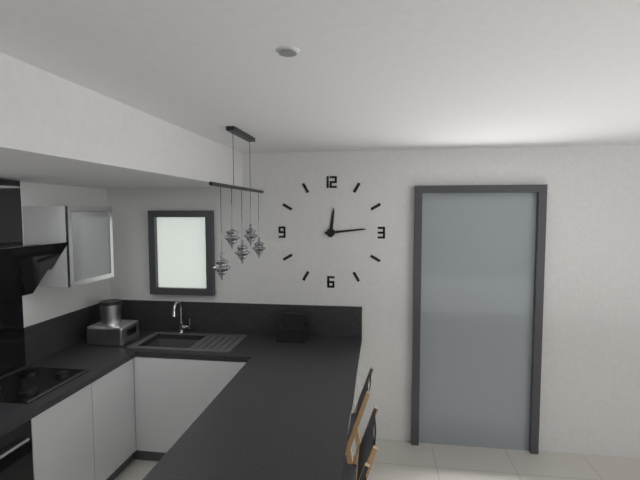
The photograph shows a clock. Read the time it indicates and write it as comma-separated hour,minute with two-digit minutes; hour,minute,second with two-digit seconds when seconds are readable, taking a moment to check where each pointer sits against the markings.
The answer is 12,14
